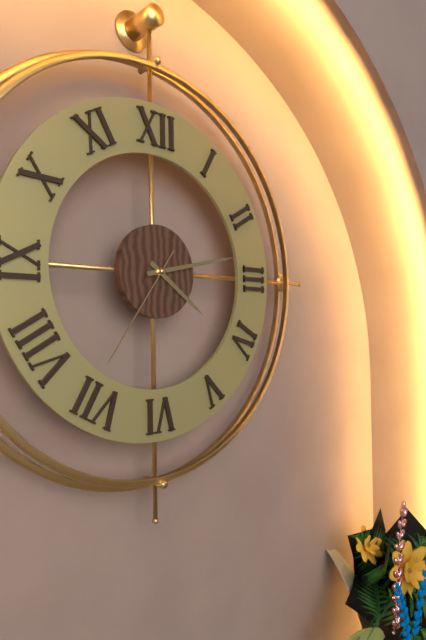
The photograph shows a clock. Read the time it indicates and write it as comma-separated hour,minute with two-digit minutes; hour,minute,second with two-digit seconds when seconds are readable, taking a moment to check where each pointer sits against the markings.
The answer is 4,13,36
